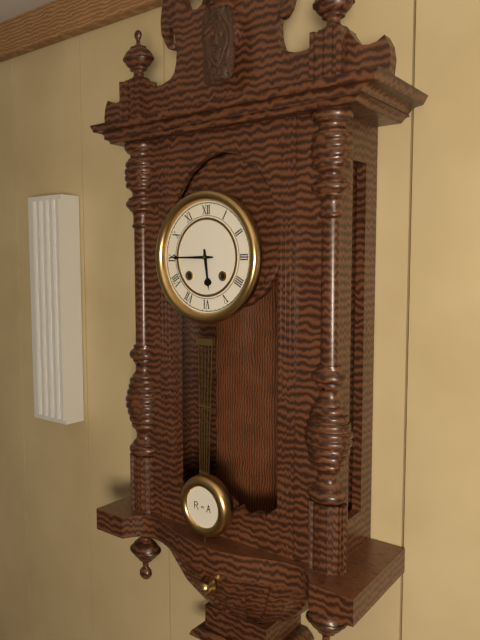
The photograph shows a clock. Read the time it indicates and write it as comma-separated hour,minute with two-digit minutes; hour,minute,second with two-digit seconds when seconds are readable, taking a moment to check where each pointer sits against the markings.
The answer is 5,45
